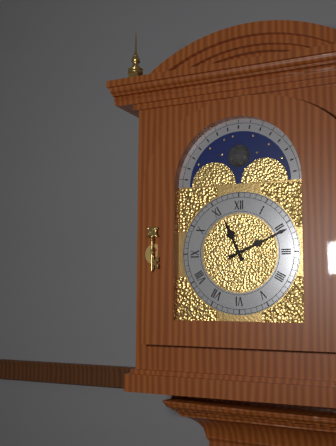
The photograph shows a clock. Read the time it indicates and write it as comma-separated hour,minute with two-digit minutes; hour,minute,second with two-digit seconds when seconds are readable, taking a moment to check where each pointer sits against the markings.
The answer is 11,11
